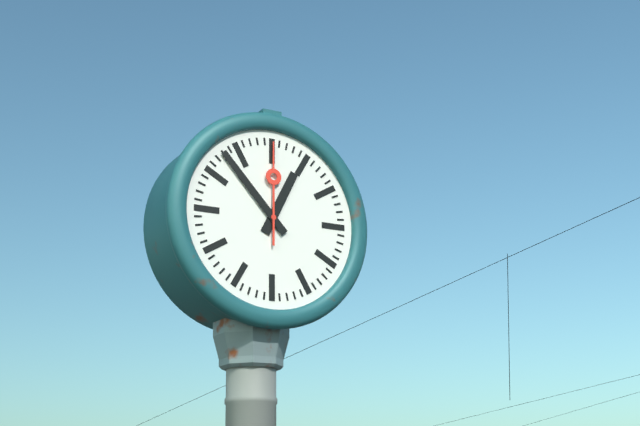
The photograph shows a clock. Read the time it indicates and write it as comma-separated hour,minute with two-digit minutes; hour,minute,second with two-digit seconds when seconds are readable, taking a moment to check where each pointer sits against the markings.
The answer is 12,53,00
